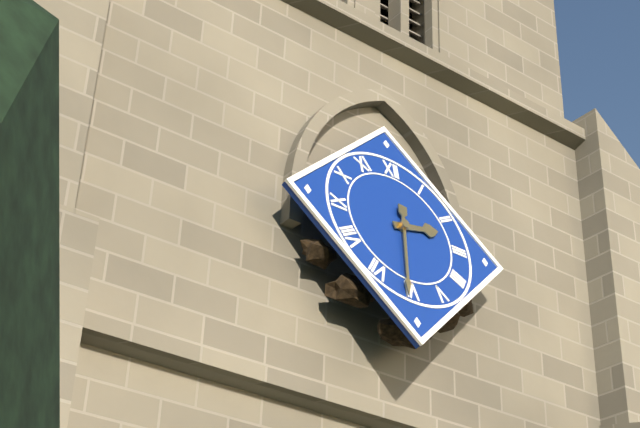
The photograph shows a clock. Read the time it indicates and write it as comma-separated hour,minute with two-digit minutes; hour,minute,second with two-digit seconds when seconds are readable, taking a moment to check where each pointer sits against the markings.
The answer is 2,31
